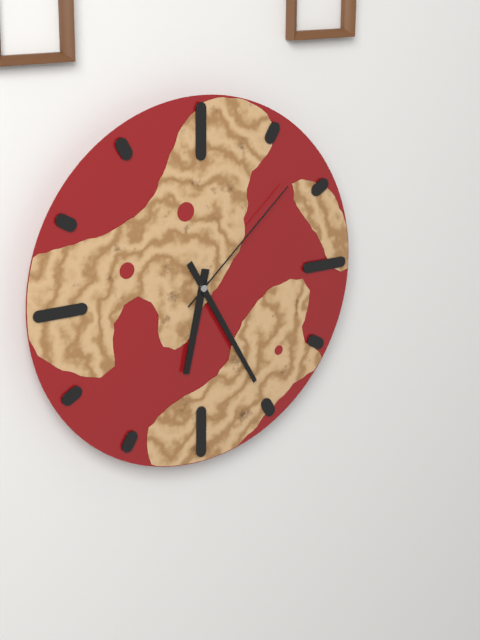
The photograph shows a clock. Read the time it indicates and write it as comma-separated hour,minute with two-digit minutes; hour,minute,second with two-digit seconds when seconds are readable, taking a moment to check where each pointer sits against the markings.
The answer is 6,25,08
